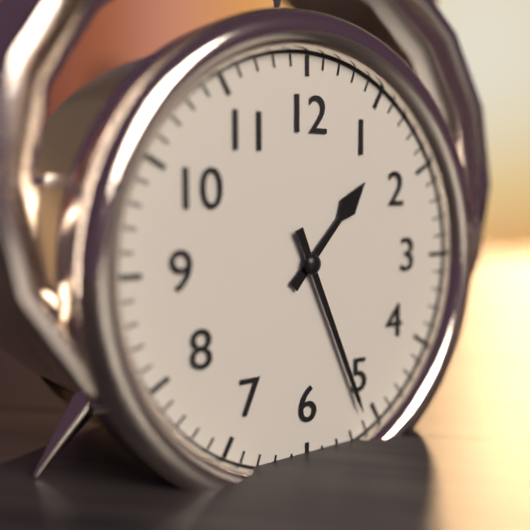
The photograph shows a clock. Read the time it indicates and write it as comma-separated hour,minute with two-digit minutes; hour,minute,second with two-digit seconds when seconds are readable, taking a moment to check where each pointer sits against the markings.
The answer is 1,26
